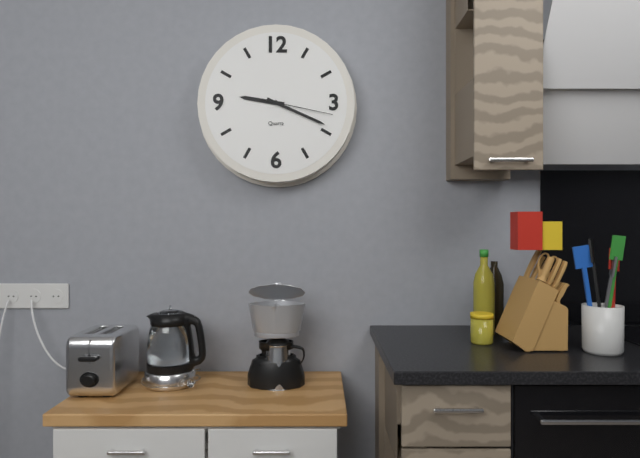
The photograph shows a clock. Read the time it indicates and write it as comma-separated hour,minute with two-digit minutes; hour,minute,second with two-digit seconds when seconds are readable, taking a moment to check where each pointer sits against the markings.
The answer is 9,19,17
